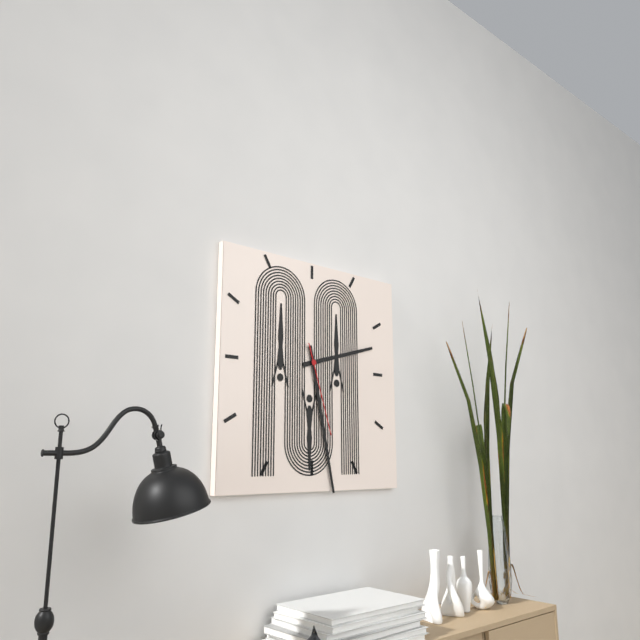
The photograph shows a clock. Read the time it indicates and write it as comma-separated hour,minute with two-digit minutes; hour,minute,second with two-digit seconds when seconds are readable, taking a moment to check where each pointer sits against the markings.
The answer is 2,28,27
